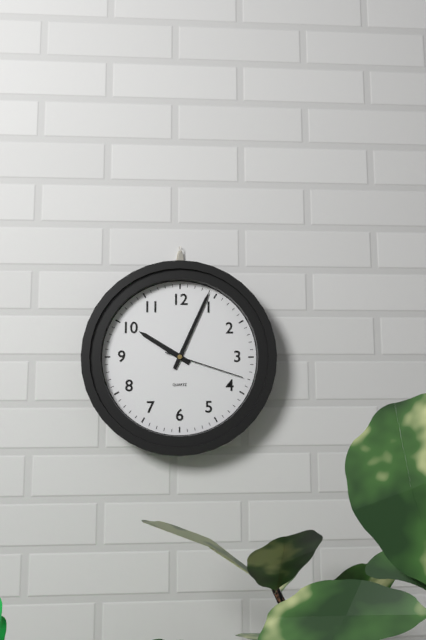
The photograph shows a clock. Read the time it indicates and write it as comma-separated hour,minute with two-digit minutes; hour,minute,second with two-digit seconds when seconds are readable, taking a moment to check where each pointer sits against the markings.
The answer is 10,04,18
